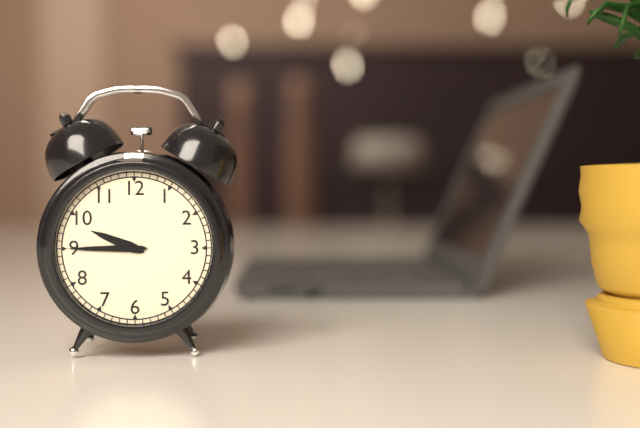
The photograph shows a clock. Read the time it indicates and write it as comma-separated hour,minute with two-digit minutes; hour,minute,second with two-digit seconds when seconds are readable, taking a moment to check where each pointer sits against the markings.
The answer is 9,45
